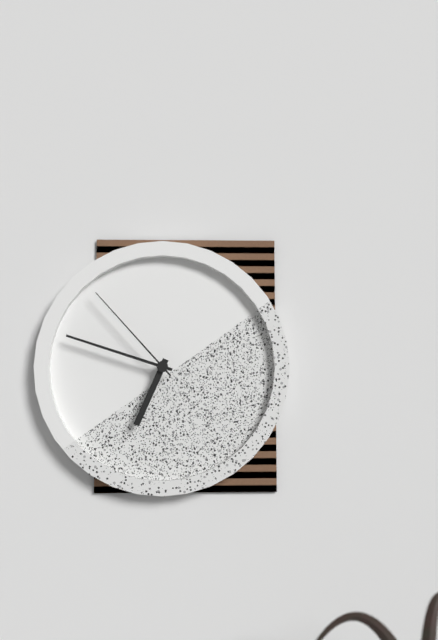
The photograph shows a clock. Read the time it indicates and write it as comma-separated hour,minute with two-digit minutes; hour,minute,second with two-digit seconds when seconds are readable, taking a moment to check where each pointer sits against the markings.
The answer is 6,48,53
